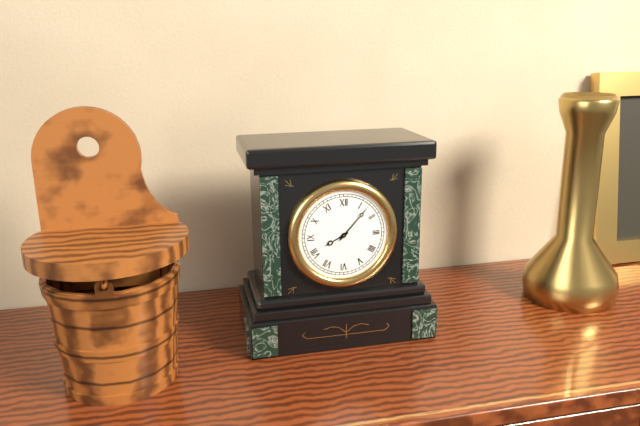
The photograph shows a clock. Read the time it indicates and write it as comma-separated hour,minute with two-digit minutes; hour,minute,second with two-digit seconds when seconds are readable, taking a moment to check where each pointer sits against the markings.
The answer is 8,07
